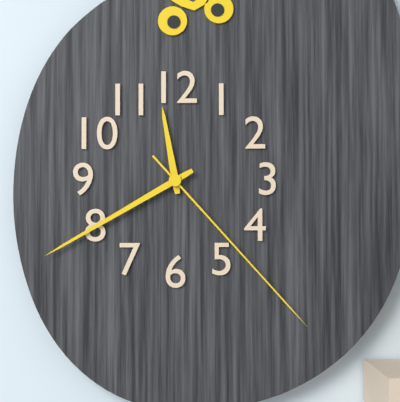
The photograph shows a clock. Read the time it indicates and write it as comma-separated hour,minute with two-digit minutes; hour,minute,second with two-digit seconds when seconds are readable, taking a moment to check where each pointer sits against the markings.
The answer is 11,40,23
